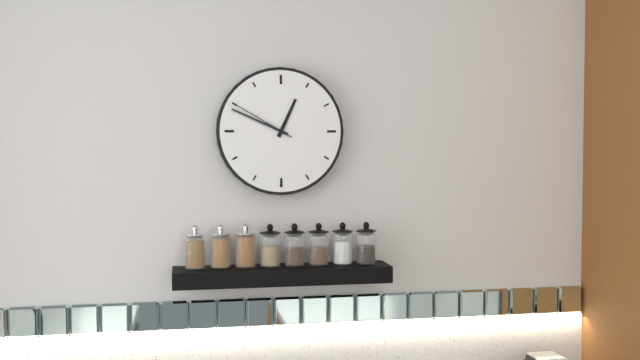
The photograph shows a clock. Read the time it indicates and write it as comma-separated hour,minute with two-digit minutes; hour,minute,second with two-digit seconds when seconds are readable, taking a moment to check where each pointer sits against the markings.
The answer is 12,49,50
